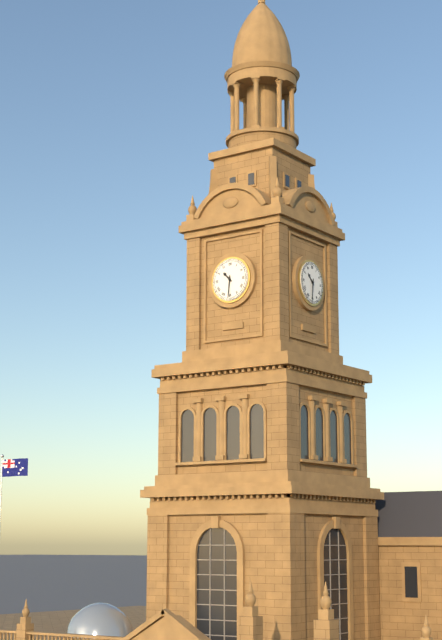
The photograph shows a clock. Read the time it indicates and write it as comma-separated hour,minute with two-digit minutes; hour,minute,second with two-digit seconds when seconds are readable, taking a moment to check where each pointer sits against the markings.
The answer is 10,31
